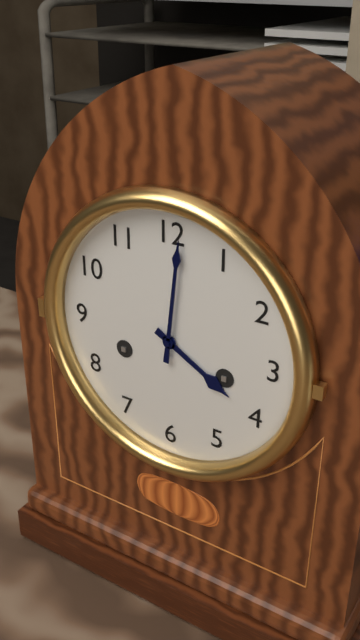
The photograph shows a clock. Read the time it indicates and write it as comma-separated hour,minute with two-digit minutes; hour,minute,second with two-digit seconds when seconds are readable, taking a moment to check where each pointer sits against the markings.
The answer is 4,01
